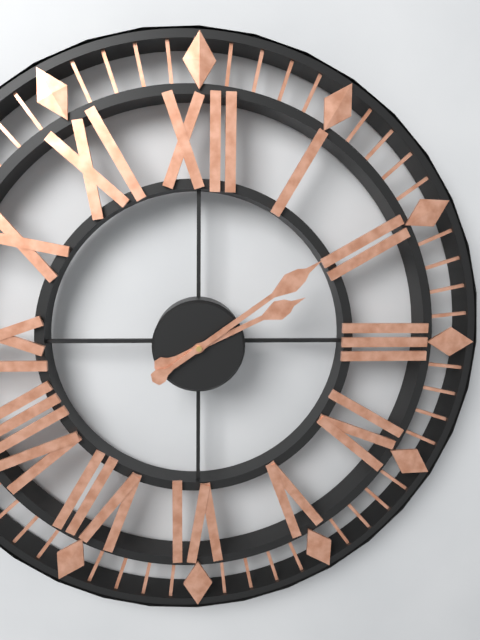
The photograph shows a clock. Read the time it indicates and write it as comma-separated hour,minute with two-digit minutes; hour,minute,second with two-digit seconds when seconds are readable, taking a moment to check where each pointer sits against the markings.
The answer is 2,09
